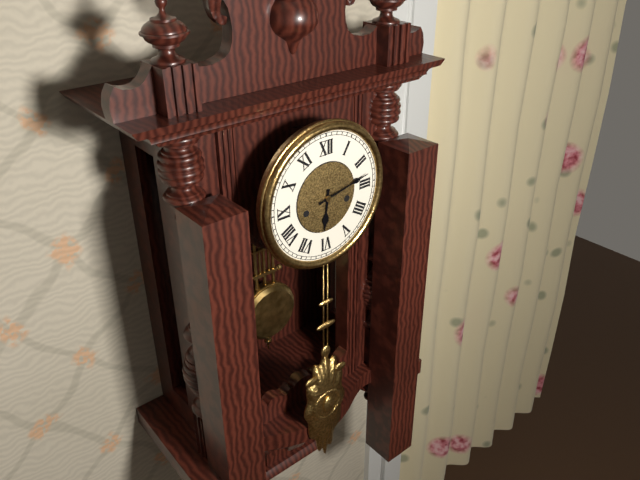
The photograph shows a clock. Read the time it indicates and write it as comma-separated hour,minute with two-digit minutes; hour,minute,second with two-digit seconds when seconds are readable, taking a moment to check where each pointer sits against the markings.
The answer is 6,13
